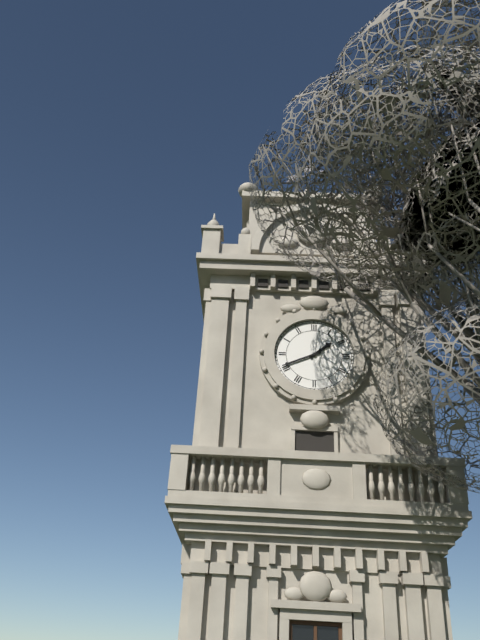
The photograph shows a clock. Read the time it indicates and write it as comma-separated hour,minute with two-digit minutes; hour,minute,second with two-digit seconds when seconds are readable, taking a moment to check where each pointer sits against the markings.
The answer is 1,41
